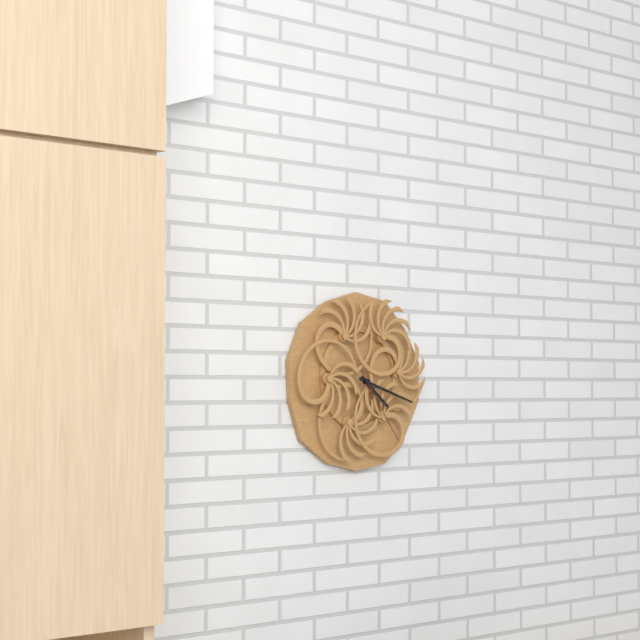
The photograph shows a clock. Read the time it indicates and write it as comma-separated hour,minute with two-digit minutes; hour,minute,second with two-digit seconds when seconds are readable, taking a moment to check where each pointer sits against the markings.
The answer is 4,18,24
